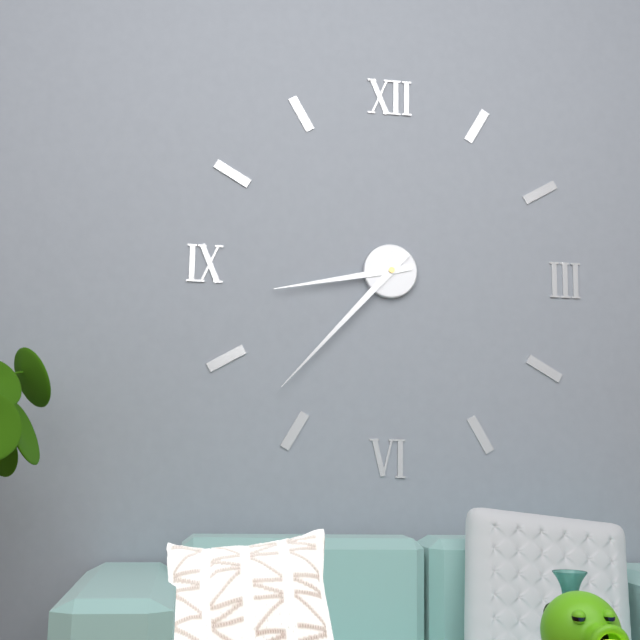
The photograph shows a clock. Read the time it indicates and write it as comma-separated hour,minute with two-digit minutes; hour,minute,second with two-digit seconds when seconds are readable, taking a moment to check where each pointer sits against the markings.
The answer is 8,37
